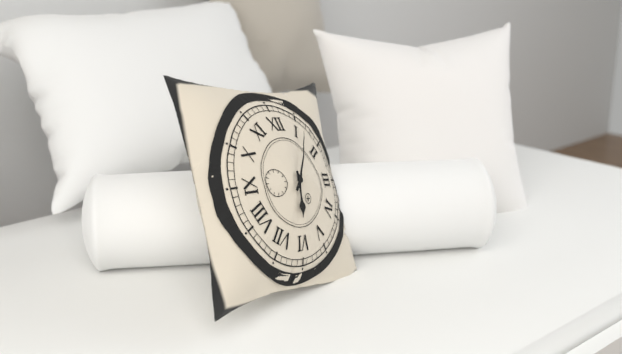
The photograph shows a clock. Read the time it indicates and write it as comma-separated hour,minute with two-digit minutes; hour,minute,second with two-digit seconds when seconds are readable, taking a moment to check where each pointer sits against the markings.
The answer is 6,06
